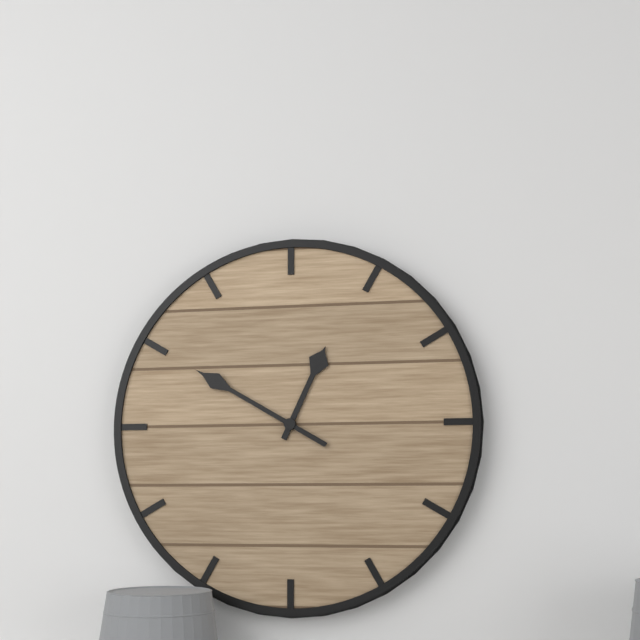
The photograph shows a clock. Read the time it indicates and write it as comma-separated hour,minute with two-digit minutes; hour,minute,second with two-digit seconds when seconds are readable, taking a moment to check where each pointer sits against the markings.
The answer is 12,50
